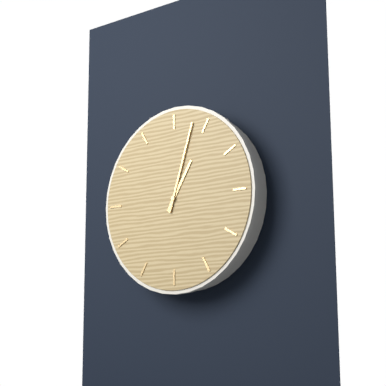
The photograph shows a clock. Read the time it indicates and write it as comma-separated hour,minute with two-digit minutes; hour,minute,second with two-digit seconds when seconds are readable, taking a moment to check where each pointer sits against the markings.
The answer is 1,03
